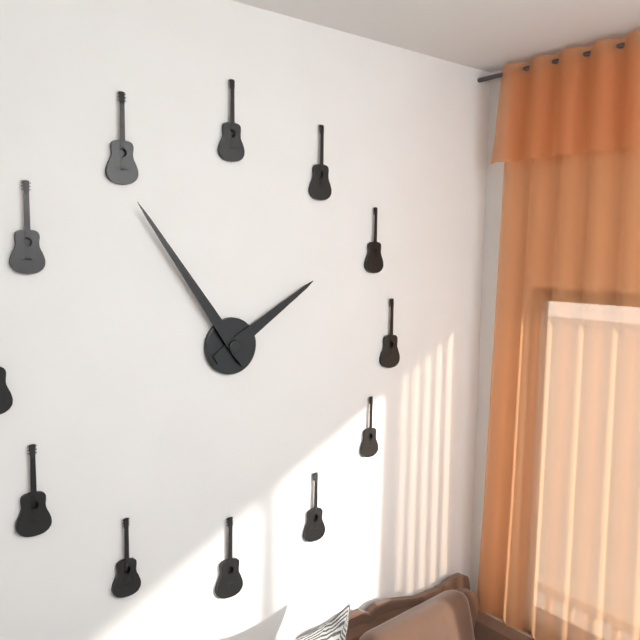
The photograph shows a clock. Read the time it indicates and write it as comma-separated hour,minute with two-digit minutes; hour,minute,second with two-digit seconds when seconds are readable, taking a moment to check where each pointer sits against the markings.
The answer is 1,54
